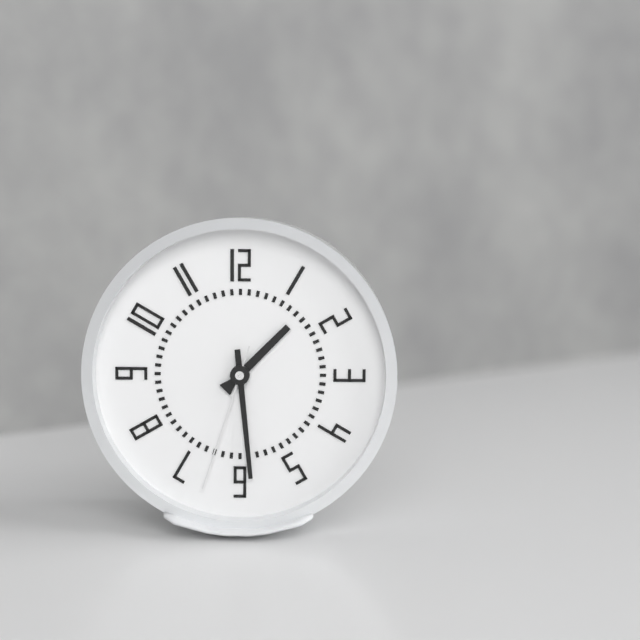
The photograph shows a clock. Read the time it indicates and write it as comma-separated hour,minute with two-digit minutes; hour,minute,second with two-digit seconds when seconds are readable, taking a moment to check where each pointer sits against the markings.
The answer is 1,29,33
